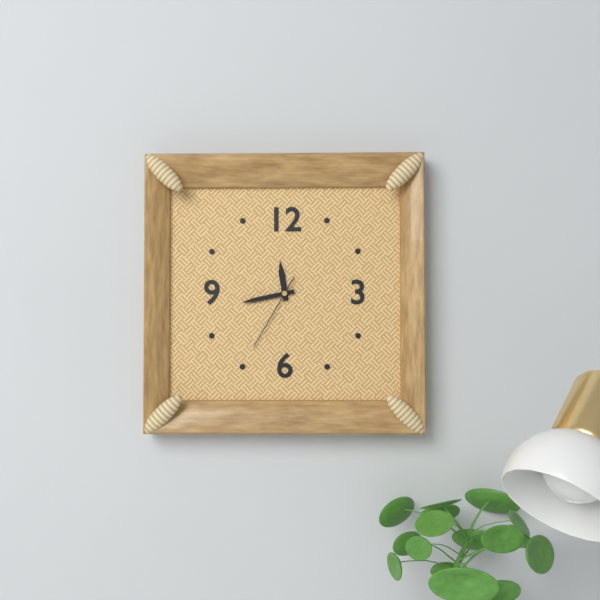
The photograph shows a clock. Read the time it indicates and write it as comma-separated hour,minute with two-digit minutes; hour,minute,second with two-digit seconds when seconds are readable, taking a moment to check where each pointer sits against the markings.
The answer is 11,43,35
